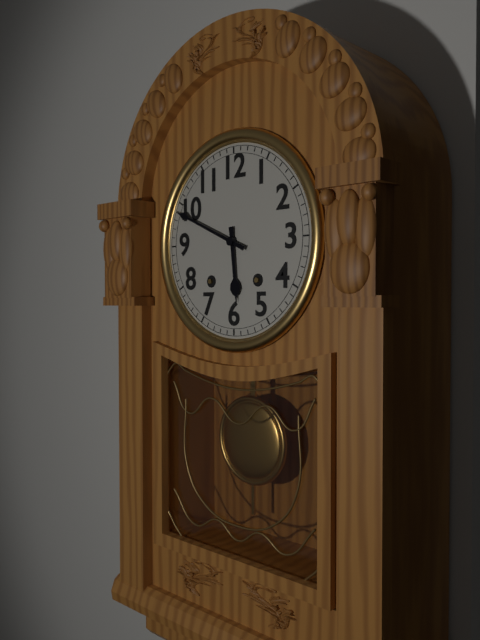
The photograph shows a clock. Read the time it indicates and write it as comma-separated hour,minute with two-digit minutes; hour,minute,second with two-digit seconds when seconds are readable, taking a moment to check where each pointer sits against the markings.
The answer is 5,49
